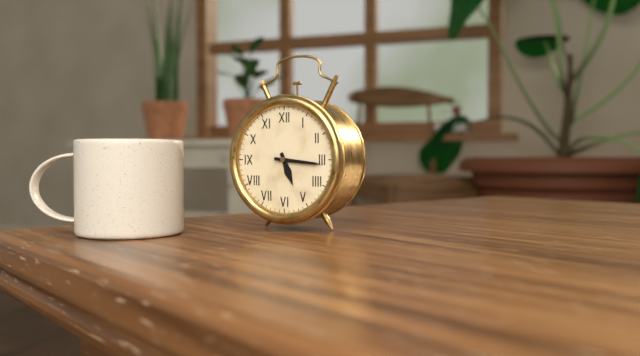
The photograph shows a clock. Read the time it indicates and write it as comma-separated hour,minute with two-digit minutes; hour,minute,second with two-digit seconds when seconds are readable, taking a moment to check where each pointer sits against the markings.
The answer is 5,16
